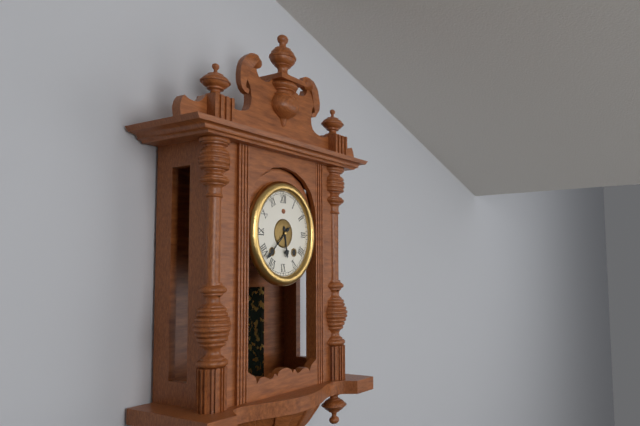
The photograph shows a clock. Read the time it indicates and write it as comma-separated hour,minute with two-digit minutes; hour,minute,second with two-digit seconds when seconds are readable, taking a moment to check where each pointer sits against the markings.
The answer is 5,38
